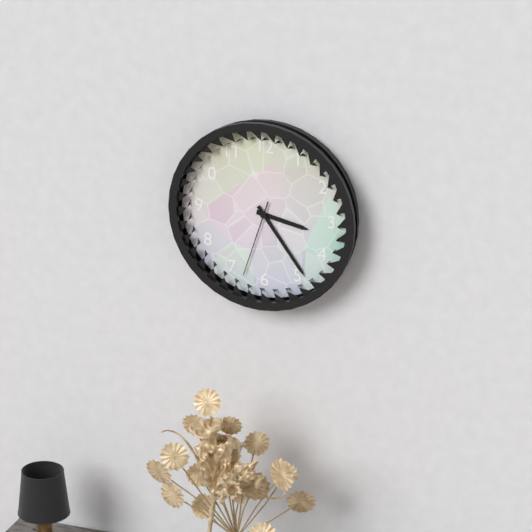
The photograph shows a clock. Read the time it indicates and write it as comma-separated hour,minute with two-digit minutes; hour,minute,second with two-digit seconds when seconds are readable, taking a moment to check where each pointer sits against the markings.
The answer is 3,24,33
